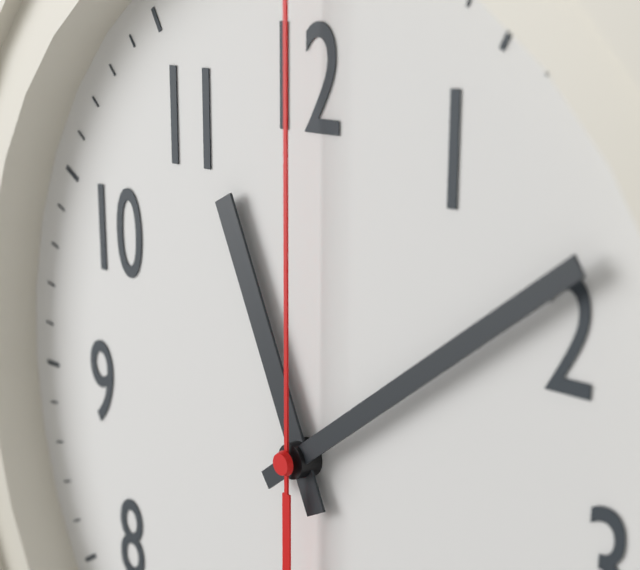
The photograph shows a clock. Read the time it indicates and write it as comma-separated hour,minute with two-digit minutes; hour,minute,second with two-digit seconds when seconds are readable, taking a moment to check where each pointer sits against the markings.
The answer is 11,09
